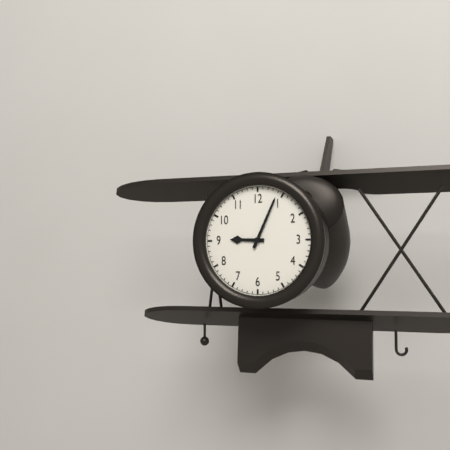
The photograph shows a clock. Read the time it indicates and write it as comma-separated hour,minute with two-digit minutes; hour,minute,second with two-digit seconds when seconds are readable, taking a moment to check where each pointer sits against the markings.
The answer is 9,04
